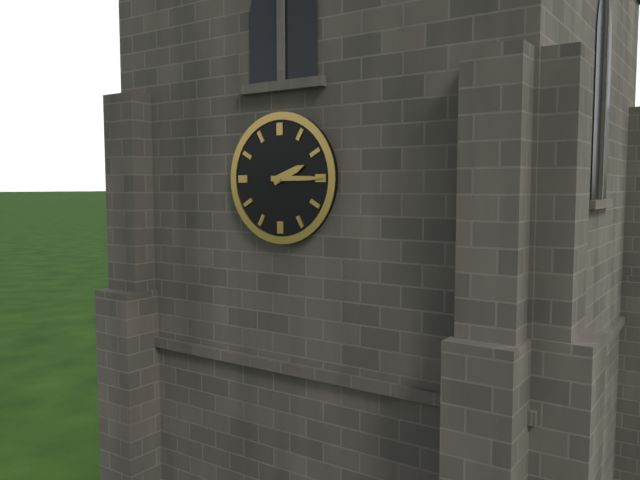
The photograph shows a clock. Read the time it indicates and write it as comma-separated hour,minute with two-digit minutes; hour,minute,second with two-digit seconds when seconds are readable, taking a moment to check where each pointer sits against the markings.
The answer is 2,15
